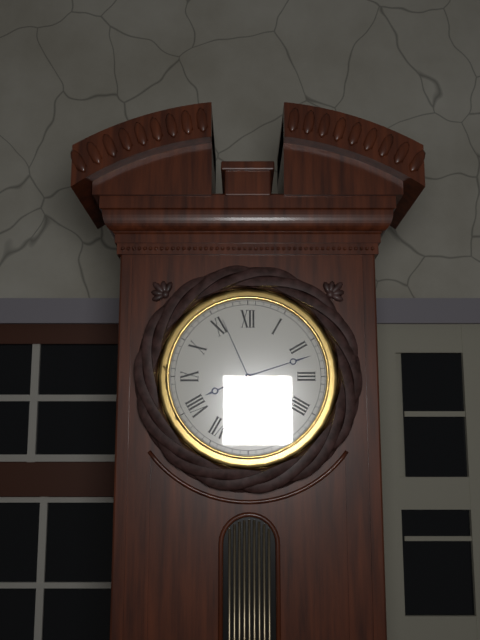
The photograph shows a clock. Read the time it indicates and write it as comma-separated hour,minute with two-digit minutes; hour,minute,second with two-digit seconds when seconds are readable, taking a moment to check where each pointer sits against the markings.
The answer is 8,12,56
